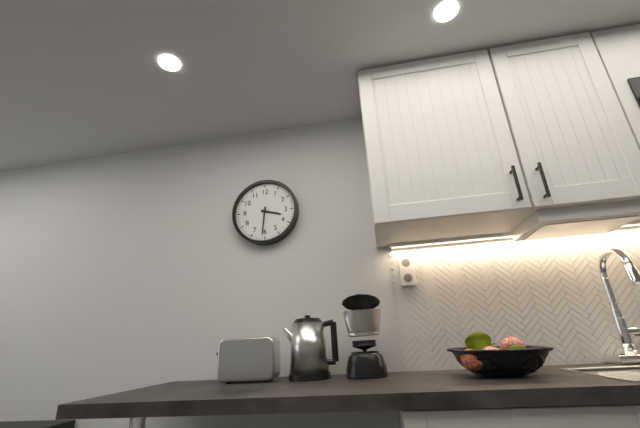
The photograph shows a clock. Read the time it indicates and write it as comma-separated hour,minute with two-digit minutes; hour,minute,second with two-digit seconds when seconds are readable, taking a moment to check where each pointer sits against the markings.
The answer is 3,31
